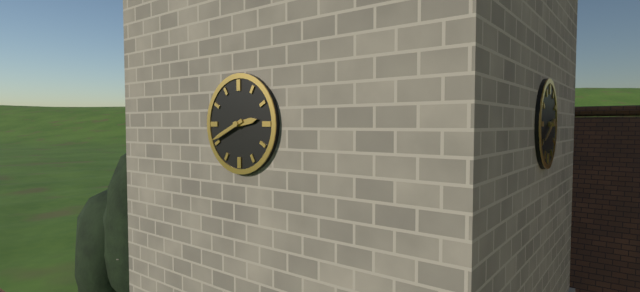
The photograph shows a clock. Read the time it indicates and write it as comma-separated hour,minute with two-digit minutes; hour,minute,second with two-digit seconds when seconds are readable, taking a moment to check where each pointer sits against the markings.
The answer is 2,41
